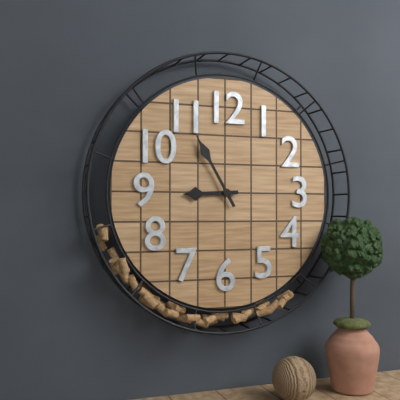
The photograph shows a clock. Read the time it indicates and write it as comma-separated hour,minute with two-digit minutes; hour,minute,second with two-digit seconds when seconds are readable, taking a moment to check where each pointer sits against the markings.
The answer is 8,55
